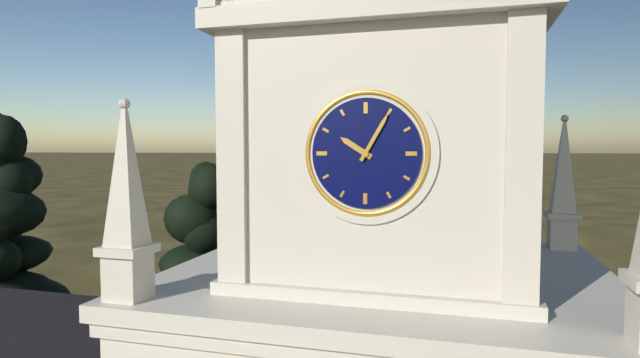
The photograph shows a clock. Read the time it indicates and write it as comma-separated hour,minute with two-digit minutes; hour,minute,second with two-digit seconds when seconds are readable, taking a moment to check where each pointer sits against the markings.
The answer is 10,05
